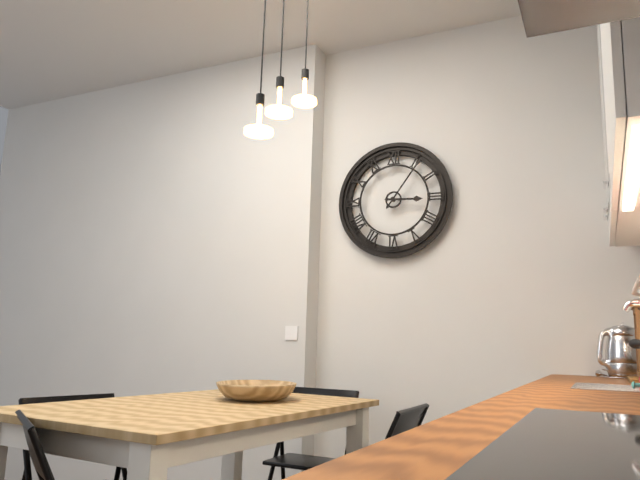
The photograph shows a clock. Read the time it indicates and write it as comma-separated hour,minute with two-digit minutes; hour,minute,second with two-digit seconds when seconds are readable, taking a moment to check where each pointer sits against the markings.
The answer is 3,06
